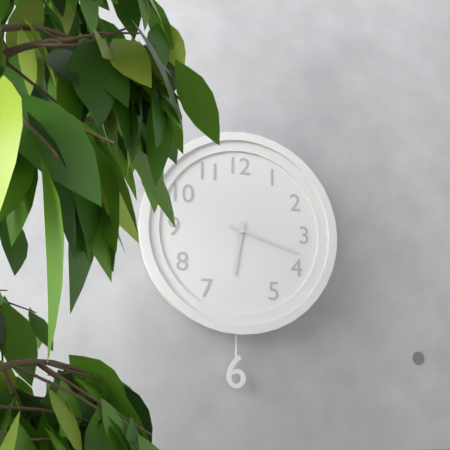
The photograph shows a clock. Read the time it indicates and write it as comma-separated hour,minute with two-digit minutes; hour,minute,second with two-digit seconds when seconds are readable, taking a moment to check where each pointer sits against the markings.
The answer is 6,18
